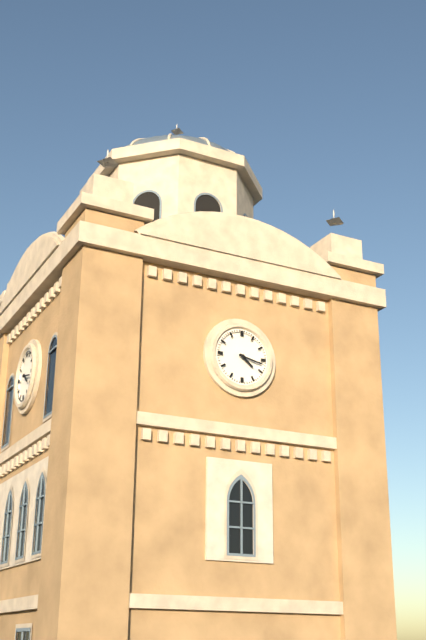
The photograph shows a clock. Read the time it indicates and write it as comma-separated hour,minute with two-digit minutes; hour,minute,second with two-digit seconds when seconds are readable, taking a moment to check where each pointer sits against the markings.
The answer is 4,17
